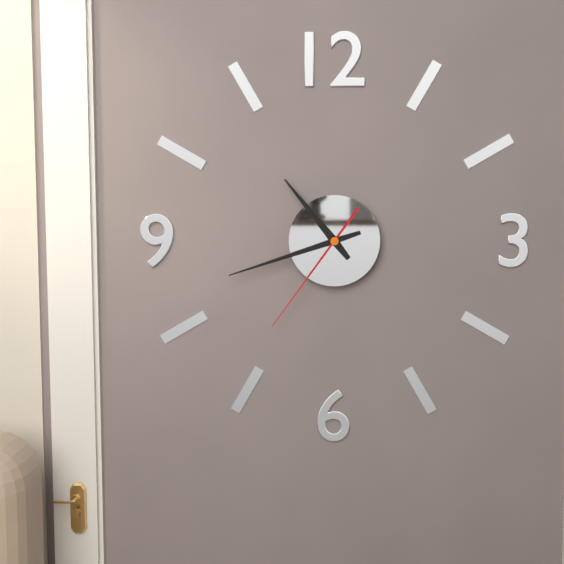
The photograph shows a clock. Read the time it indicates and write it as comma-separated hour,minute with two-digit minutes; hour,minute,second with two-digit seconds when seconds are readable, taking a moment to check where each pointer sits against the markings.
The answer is 10,42,36
